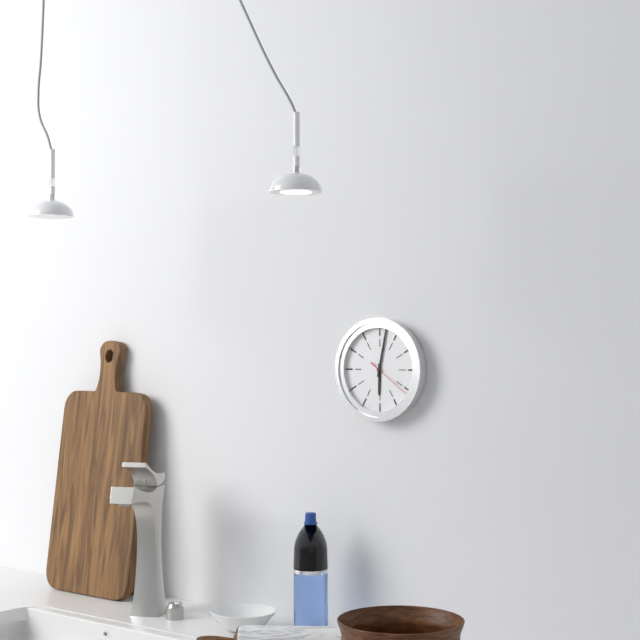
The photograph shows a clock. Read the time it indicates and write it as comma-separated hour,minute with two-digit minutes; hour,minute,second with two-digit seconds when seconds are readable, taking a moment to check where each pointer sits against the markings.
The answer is 6,02
